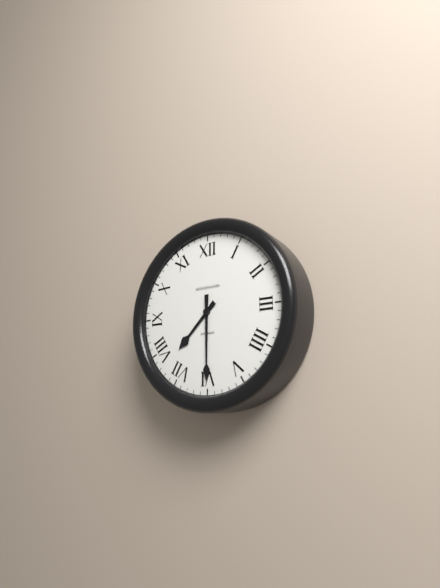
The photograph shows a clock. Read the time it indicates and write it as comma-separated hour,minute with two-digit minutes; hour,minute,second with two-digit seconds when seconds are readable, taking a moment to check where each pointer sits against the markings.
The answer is 7,30
